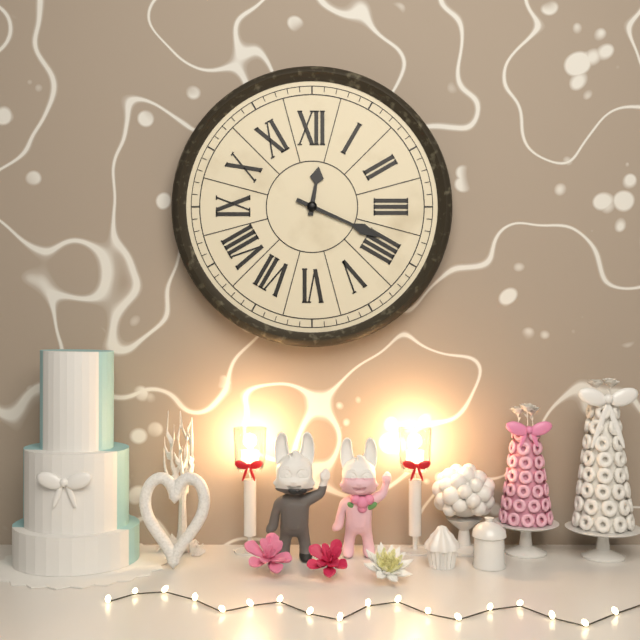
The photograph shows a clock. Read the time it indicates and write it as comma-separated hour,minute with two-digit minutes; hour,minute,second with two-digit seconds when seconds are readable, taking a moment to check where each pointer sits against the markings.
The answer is 12,19
